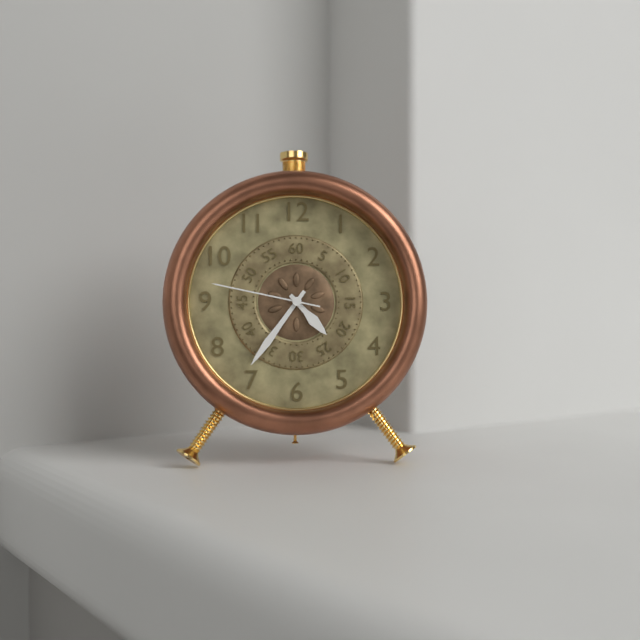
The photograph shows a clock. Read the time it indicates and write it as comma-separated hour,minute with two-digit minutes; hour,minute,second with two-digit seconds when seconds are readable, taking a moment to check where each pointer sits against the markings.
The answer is 4,36,47
